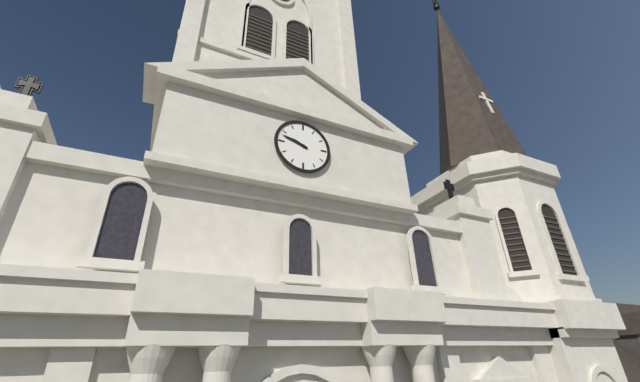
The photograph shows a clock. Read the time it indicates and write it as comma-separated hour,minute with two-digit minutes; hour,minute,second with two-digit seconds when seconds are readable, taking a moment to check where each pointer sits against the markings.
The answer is 9,48
